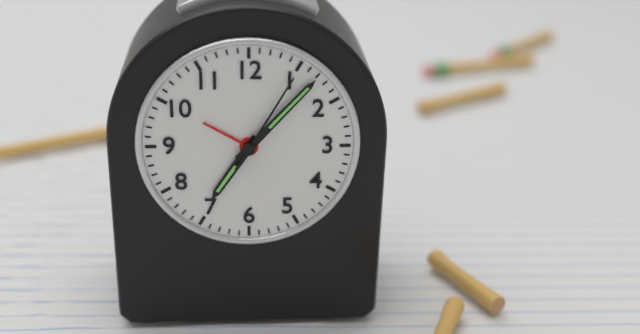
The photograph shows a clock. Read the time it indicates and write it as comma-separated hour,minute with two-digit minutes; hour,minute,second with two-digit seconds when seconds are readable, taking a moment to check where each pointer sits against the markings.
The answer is 7,07,05
